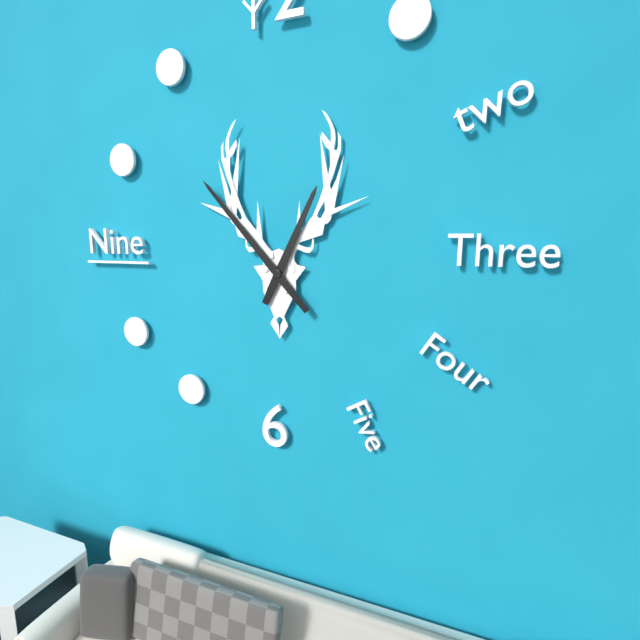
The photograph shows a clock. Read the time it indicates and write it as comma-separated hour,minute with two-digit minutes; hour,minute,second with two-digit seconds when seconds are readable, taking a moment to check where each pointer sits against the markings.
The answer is 12,53
